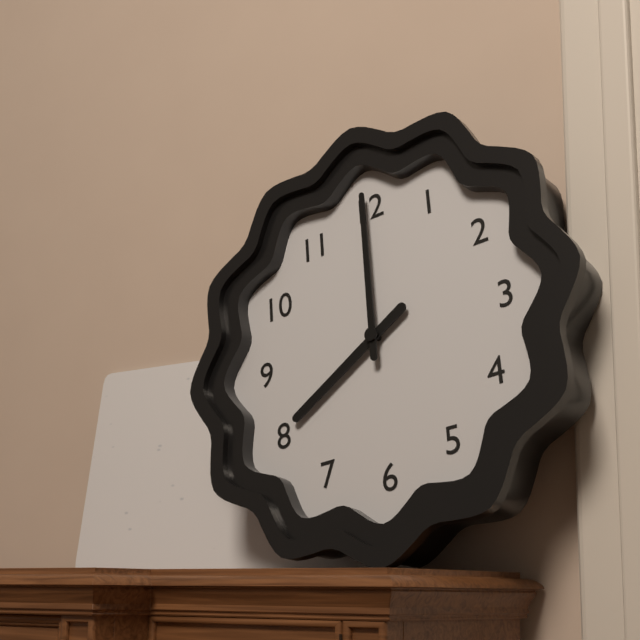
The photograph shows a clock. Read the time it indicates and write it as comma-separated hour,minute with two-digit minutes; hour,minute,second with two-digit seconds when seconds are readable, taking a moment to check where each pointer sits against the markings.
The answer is 8,00
